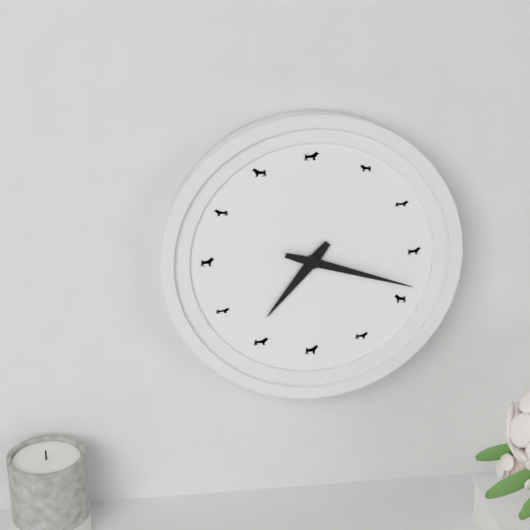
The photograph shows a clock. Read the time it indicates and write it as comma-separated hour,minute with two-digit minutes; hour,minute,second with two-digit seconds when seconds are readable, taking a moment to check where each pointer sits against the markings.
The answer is 7,18
